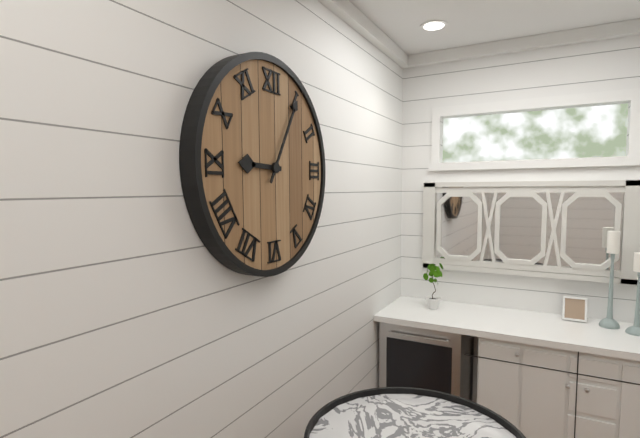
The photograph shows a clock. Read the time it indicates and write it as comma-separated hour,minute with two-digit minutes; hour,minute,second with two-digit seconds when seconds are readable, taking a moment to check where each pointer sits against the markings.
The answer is 9,05
